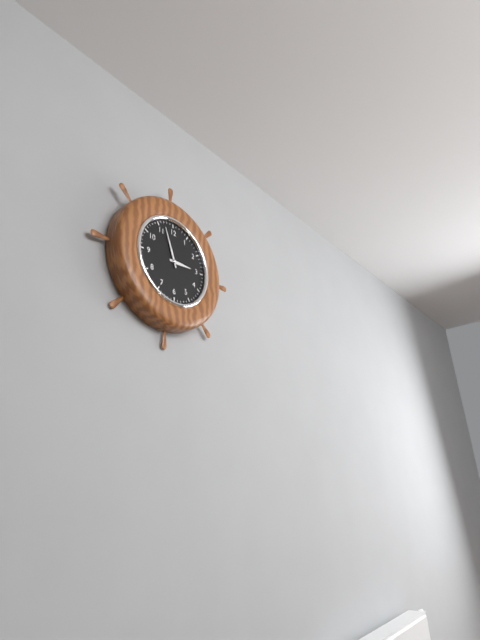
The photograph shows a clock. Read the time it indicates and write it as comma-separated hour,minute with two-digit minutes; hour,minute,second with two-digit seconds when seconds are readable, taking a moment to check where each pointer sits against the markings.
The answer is 2,57
